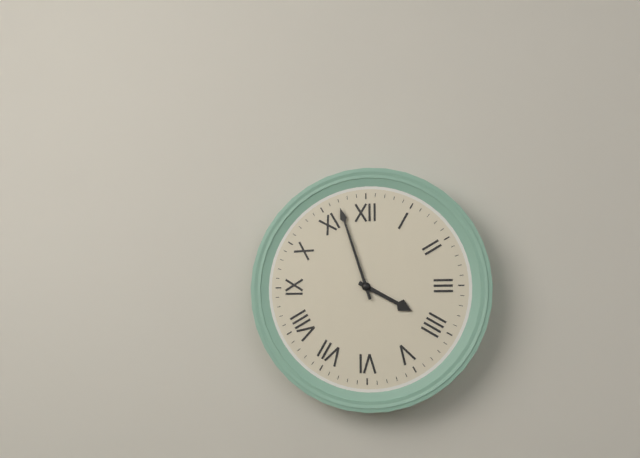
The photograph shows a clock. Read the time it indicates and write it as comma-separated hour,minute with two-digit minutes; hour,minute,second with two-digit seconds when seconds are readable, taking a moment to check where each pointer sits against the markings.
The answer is 3,57
